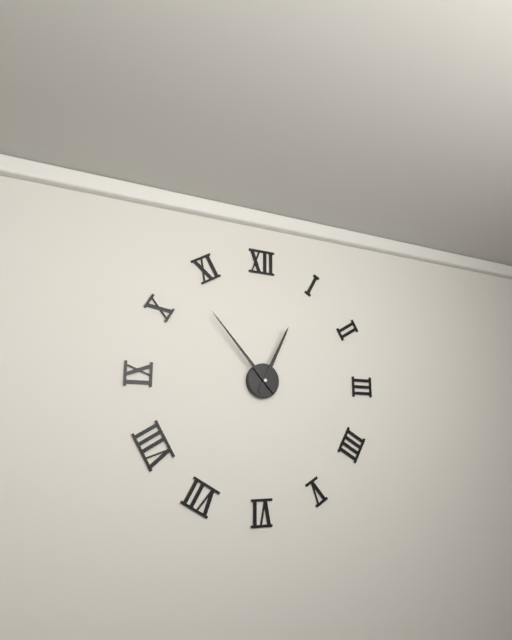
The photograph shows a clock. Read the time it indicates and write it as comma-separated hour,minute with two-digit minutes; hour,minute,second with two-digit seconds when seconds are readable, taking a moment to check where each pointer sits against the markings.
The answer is 12,53
